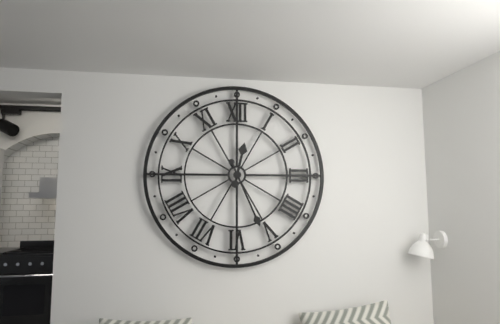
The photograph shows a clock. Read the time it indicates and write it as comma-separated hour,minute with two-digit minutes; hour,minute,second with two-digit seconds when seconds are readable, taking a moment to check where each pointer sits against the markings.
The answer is 12,26
